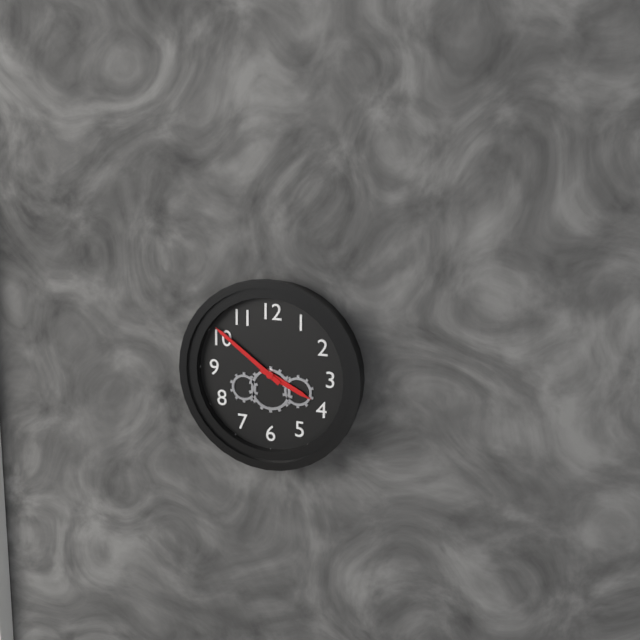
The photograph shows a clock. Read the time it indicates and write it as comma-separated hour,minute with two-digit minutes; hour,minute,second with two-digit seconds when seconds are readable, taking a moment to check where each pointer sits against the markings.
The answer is 3,51
